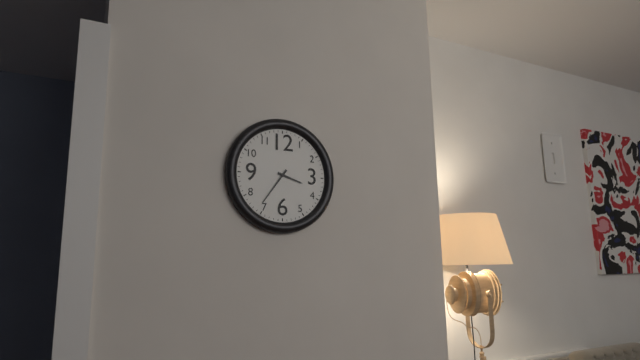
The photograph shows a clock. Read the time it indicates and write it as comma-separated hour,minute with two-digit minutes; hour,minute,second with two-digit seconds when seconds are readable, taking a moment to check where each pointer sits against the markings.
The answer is 3,36
